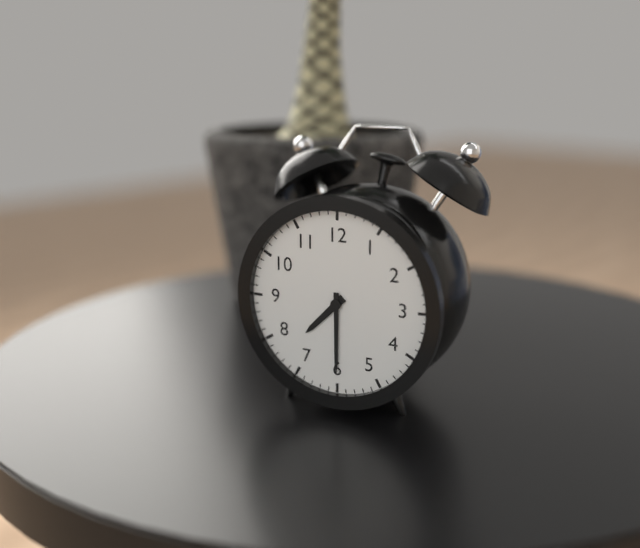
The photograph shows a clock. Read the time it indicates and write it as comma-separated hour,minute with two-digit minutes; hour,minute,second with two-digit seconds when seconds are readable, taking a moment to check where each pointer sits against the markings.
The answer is 7,30
